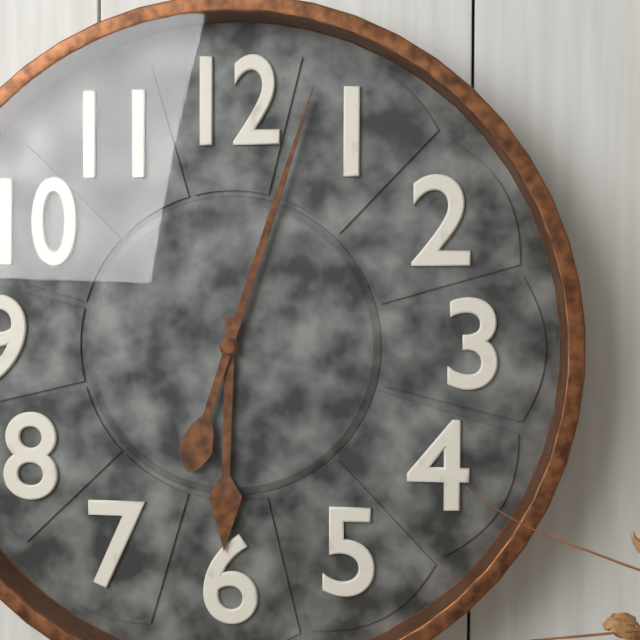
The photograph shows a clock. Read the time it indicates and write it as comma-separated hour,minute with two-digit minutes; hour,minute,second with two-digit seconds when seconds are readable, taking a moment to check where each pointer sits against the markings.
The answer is 6,03
